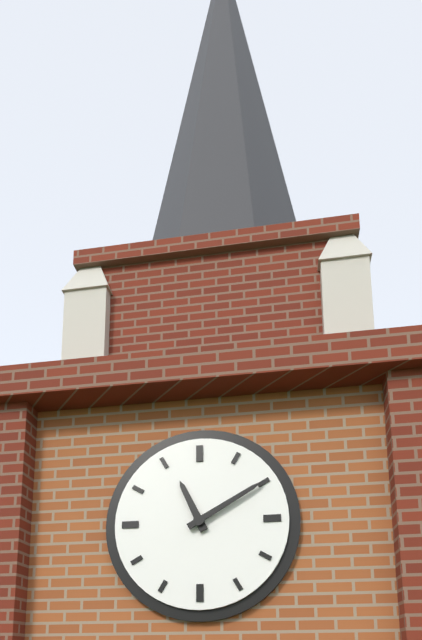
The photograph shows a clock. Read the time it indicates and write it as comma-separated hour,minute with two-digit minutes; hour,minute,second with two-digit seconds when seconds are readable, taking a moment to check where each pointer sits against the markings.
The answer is 11,10
